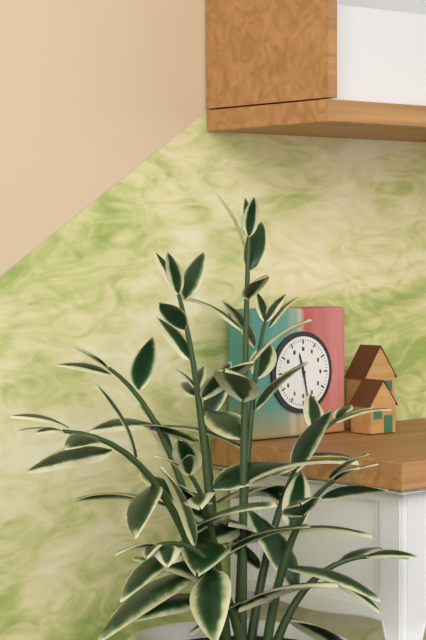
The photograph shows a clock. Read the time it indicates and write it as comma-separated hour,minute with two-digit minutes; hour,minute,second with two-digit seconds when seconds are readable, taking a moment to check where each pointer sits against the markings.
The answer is 11,28
